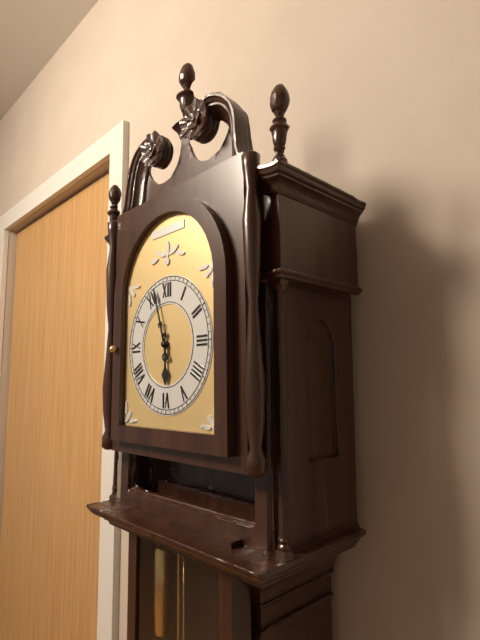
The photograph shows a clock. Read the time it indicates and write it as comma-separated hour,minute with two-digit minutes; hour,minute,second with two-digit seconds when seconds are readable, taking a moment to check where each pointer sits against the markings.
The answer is 5,57
